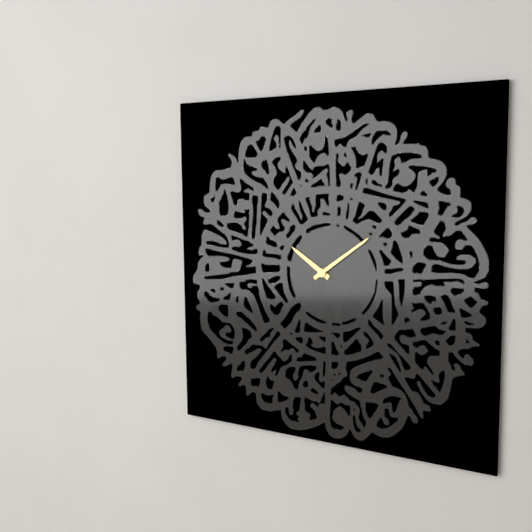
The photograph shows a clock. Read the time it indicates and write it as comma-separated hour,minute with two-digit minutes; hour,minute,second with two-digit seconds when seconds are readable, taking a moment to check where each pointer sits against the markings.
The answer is 10,09
